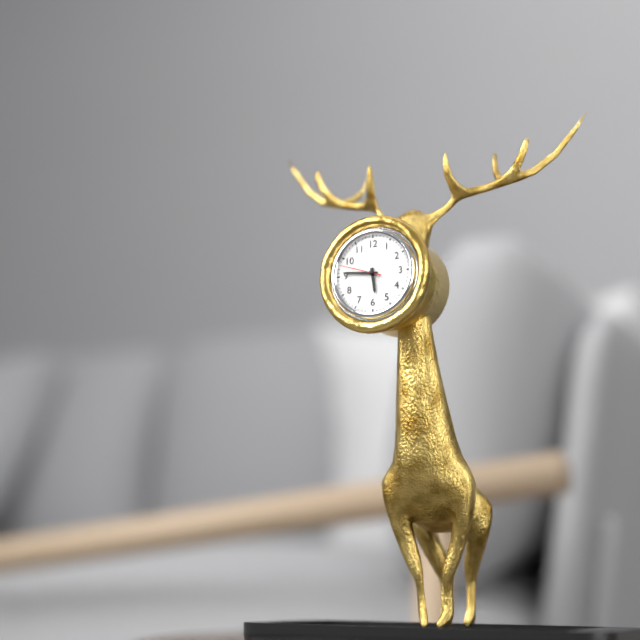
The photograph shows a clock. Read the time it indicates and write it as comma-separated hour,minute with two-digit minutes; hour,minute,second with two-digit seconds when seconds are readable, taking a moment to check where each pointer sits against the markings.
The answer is 5,46
